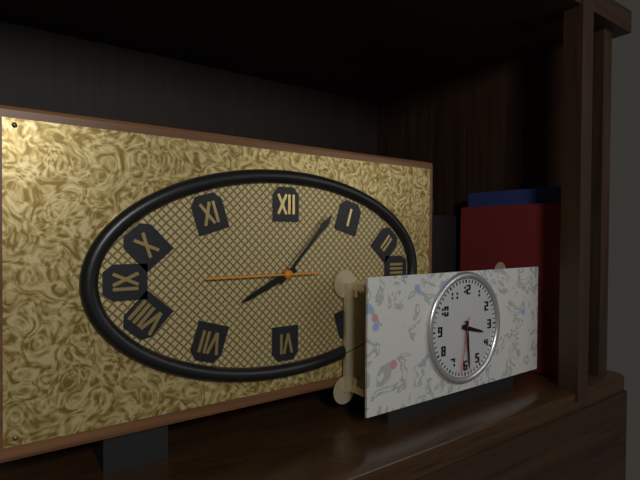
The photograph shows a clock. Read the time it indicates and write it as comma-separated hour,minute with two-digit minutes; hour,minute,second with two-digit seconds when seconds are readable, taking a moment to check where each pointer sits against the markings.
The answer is 8,07,45
